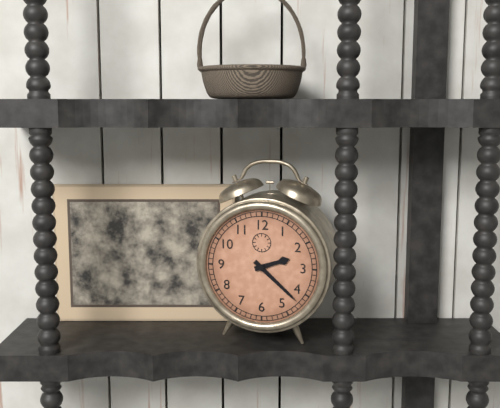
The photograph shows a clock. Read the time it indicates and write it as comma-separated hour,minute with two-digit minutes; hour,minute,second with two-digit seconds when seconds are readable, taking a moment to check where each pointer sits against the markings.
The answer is 2,22
